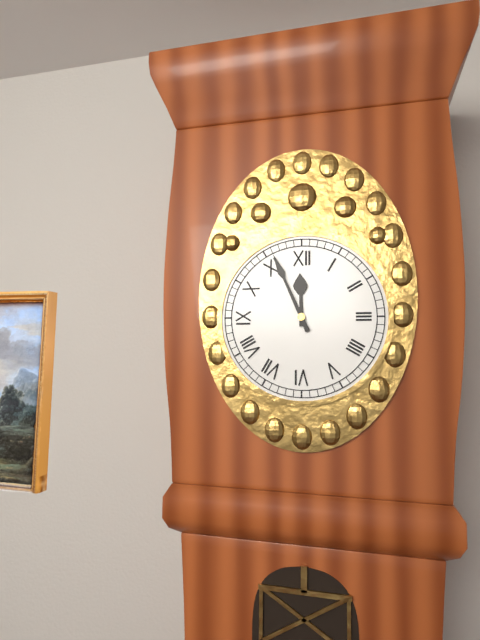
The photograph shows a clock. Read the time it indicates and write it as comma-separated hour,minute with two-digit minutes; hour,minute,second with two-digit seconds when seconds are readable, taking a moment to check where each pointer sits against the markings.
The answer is 11,56
